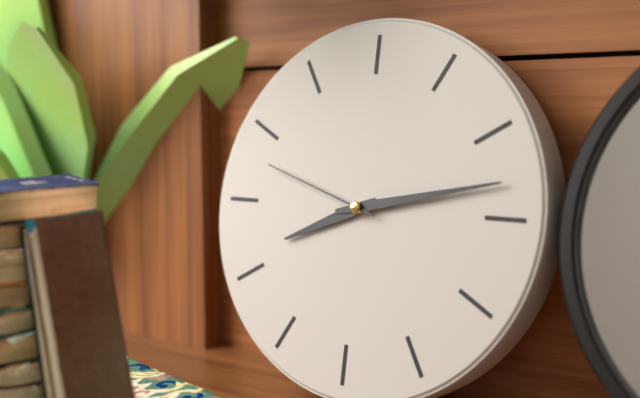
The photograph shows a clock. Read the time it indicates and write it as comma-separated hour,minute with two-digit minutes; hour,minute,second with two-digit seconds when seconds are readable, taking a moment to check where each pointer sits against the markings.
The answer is 8,13,48
